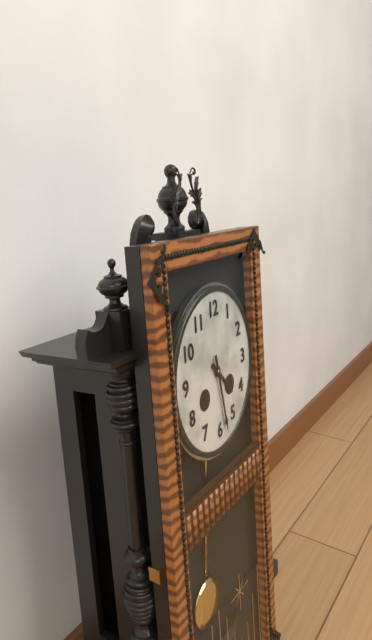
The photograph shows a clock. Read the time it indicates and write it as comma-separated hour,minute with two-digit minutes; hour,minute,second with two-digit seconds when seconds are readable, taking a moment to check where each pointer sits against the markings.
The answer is 4,28
